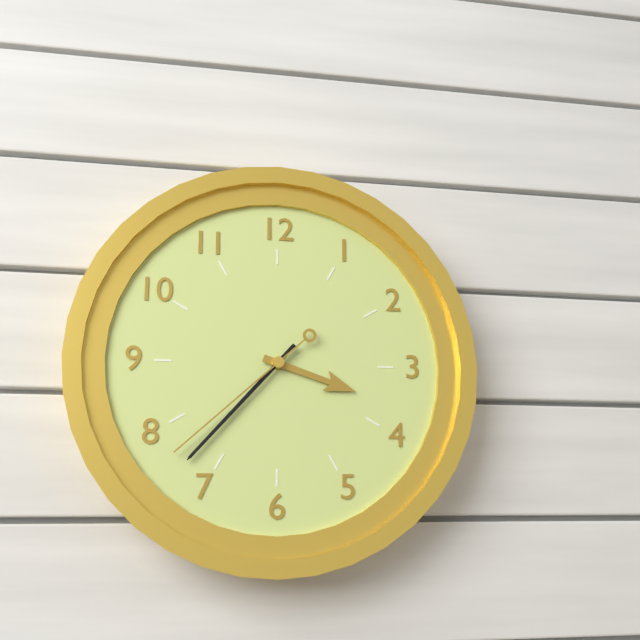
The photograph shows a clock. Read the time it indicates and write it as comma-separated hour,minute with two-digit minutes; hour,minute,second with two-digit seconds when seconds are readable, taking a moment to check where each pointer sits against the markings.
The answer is 3,37,38
